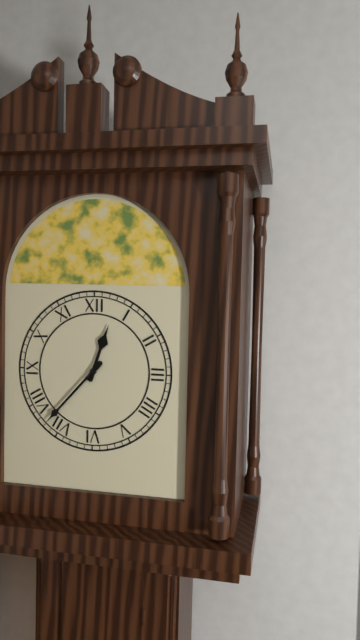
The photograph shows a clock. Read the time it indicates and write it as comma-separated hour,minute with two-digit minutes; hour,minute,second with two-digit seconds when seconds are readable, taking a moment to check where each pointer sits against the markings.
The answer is 12,37
